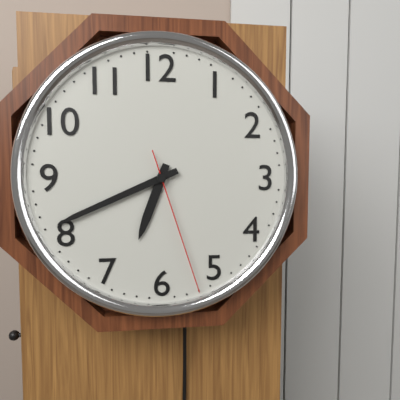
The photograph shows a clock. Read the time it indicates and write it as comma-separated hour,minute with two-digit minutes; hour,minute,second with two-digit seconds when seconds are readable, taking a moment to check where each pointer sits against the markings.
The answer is 6,41,27
